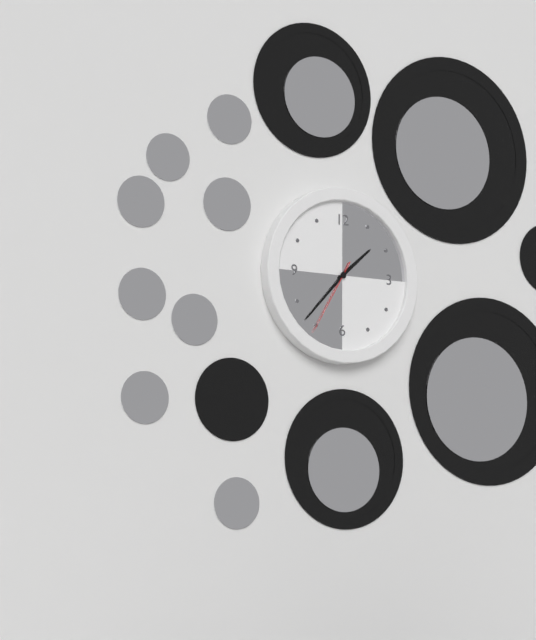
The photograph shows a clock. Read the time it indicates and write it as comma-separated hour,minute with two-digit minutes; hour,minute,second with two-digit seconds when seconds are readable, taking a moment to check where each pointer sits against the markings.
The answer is 1,37,35
